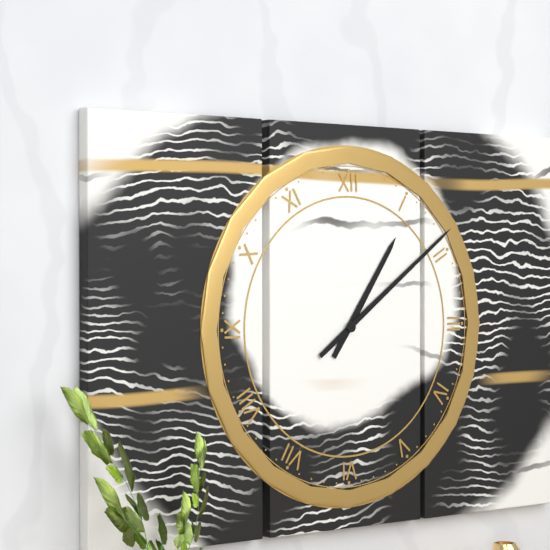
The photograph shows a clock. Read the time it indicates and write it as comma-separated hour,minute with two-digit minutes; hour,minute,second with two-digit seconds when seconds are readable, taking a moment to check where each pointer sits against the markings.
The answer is 1,09
